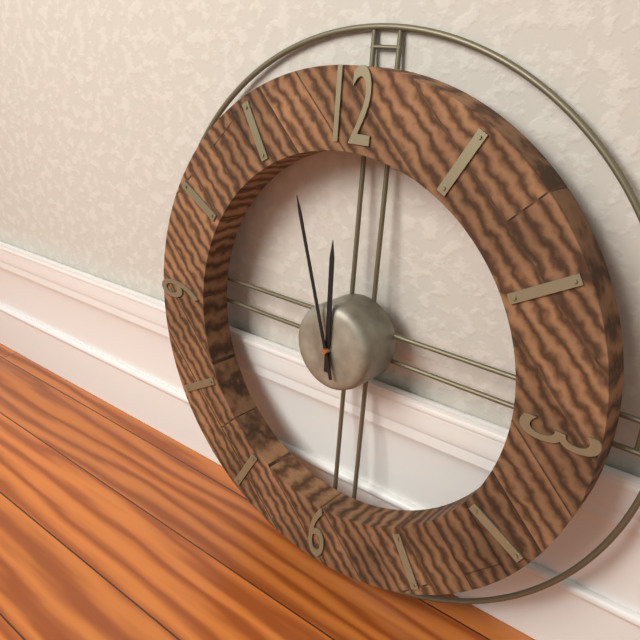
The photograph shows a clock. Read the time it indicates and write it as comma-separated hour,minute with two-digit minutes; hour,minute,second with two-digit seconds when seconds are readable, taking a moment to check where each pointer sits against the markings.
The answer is 11,57
